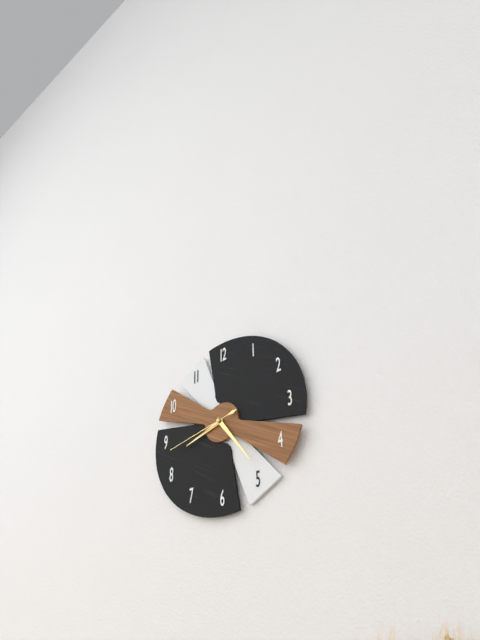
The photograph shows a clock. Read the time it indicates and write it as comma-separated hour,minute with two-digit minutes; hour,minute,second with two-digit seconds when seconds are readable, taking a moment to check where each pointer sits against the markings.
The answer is 8,24,43
